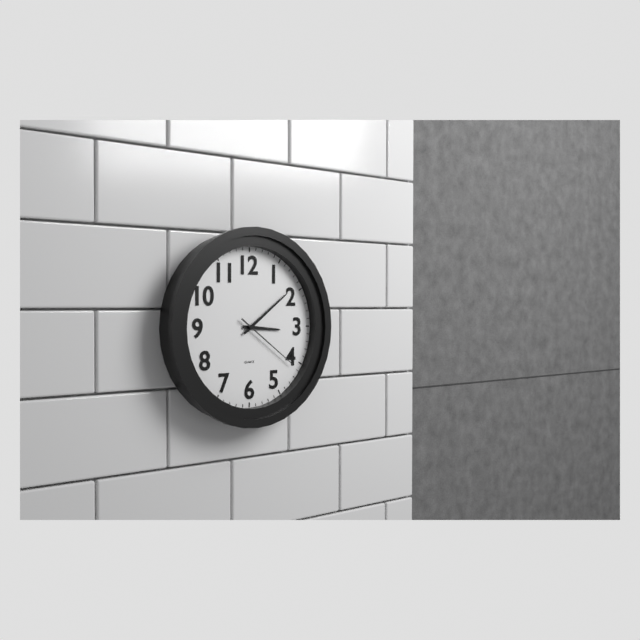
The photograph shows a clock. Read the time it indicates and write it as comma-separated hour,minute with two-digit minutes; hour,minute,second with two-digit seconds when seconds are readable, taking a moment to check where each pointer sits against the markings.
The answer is 3,09,21
